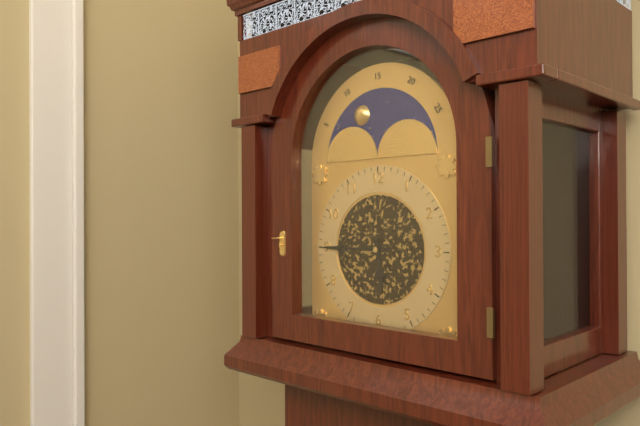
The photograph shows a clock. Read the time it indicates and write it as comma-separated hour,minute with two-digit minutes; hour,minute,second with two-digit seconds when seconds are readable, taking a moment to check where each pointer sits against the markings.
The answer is 5,45
